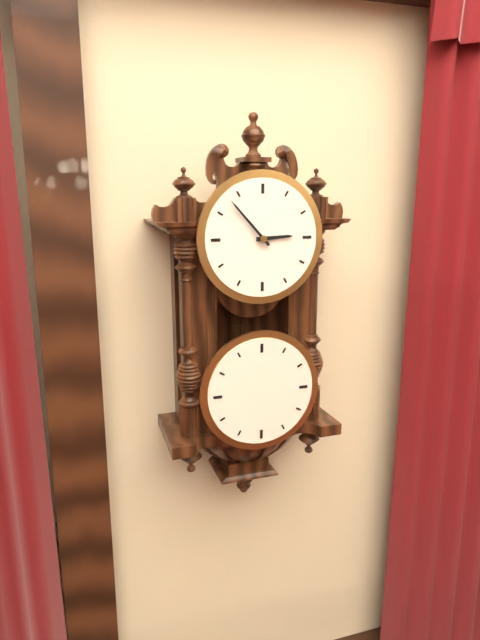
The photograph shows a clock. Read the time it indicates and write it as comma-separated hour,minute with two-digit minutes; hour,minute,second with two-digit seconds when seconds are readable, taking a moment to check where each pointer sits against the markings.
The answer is 2,53
